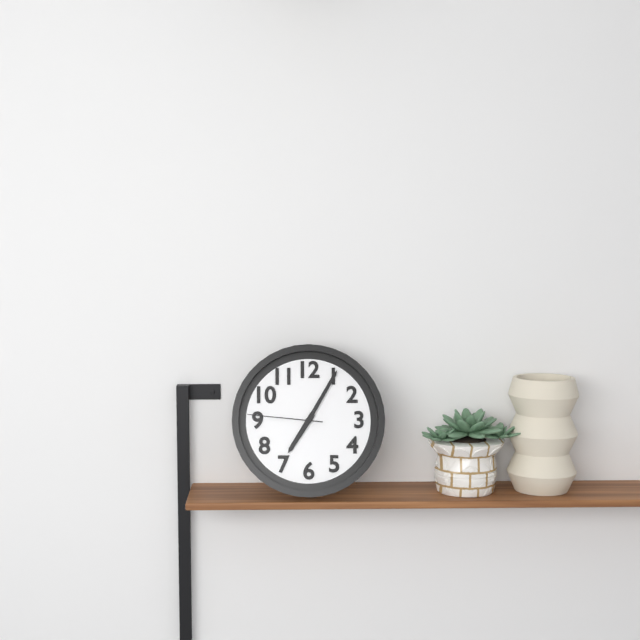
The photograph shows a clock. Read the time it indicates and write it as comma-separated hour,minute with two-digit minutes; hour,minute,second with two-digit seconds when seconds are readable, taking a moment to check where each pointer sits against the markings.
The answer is 7,05,46
